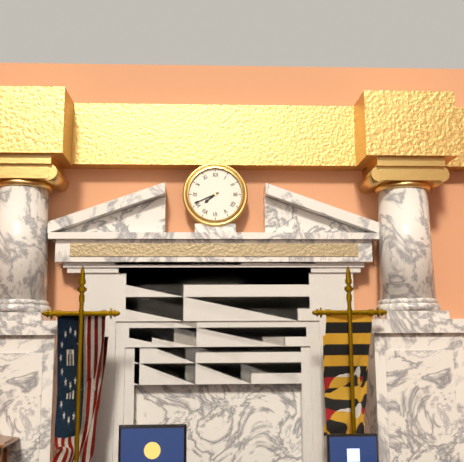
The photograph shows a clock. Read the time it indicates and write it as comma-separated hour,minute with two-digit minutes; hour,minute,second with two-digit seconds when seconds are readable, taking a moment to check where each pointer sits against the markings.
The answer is 7,41
